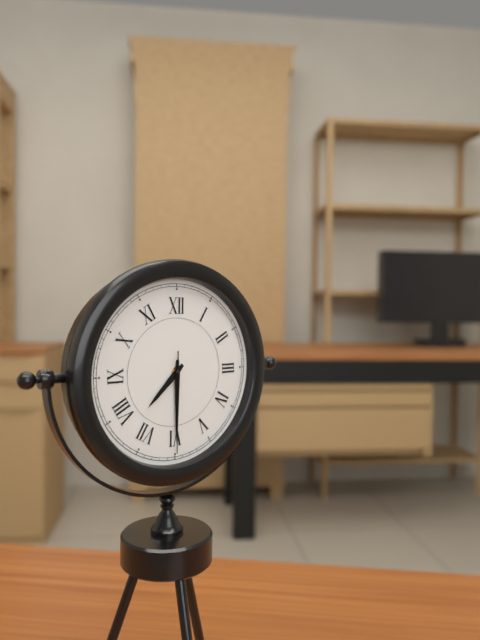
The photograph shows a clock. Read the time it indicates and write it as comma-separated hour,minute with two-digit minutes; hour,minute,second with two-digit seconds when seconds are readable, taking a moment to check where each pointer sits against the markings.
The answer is 7,30,30
